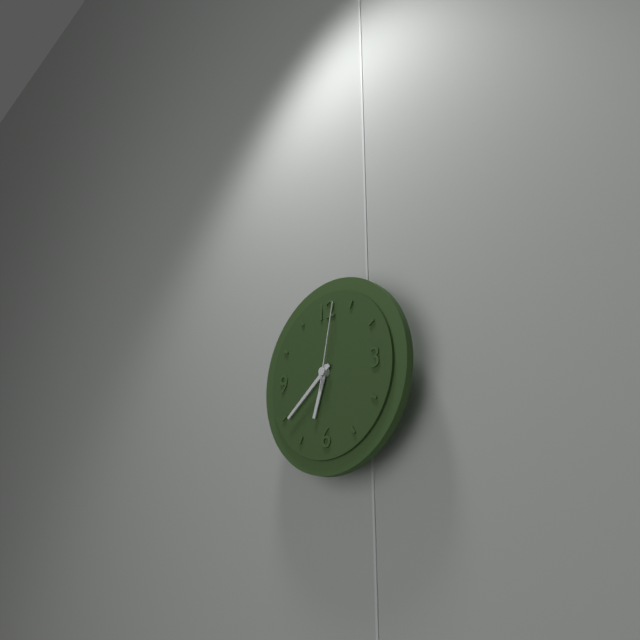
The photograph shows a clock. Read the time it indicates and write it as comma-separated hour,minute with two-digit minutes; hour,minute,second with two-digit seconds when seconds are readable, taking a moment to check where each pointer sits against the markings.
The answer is 6,39,02
